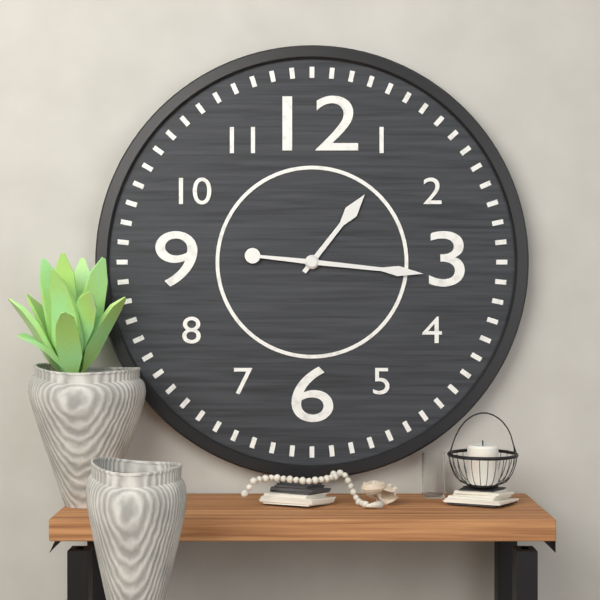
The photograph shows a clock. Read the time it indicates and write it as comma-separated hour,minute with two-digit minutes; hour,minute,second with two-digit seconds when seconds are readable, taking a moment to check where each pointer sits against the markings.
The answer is 1,16
